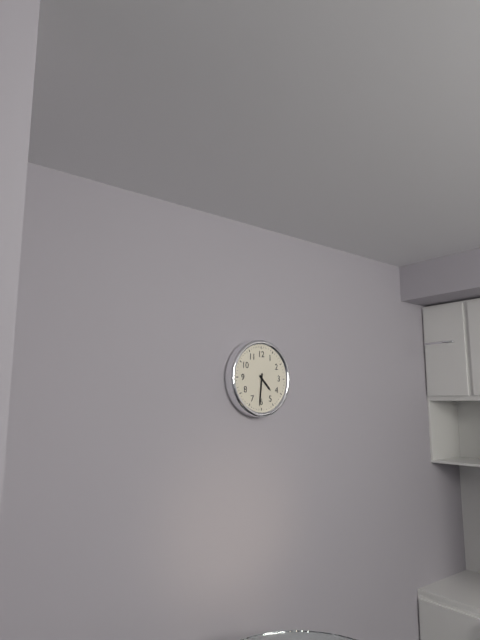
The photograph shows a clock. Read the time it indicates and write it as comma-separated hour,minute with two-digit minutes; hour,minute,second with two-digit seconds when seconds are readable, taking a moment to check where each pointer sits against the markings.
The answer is 4,31
